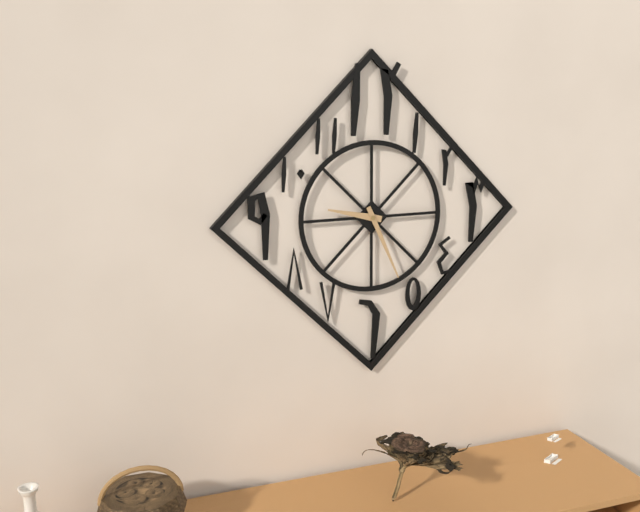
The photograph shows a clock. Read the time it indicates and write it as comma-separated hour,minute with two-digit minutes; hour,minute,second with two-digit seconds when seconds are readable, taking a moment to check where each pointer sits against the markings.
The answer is 9,26
